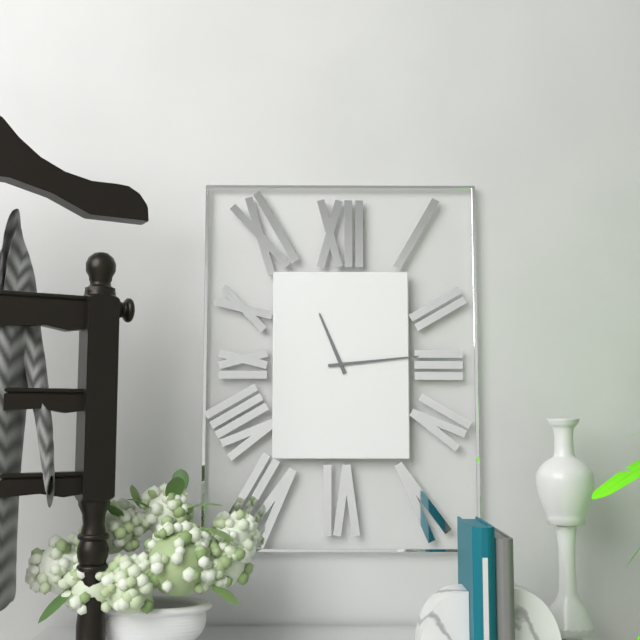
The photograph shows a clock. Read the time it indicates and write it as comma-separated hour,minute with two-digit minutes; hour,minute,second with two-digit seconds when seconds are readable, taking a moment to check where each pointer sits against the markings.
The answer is 11,14
